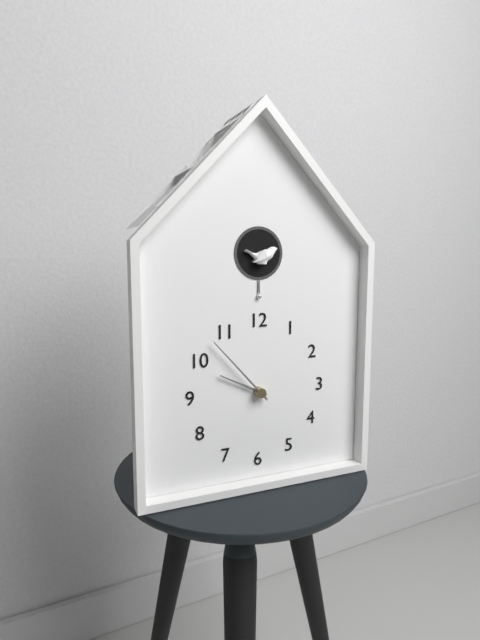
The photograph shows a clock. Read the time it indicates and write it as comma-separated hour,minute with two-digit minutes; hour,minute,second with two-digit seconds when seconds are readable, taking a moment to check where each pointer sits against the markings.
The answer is 9,53
